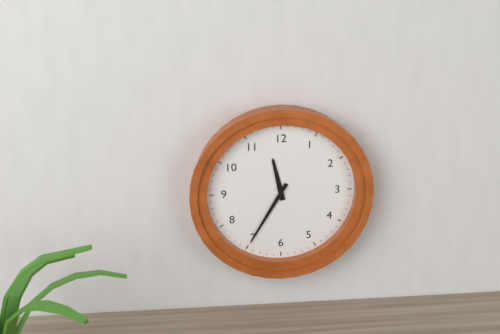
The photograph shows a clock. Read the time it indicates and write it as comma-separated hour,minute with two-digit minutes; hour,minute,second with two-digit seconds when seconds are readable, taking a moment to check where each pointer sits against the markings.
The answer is 11,35
